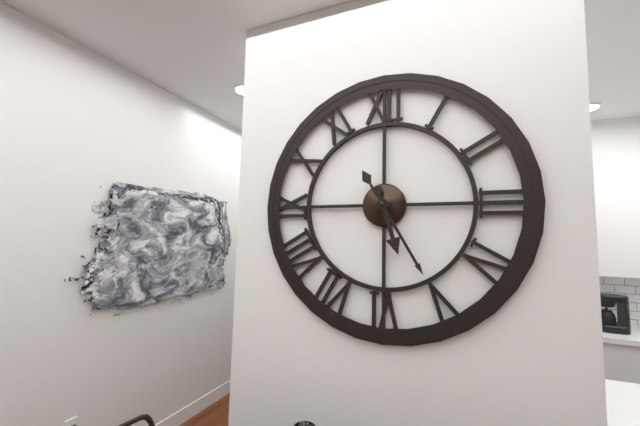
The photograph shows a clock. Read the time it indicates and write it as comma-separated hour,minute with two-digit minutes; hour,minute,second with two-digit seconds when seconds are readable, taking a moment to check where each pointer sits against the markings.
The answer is 5,25
